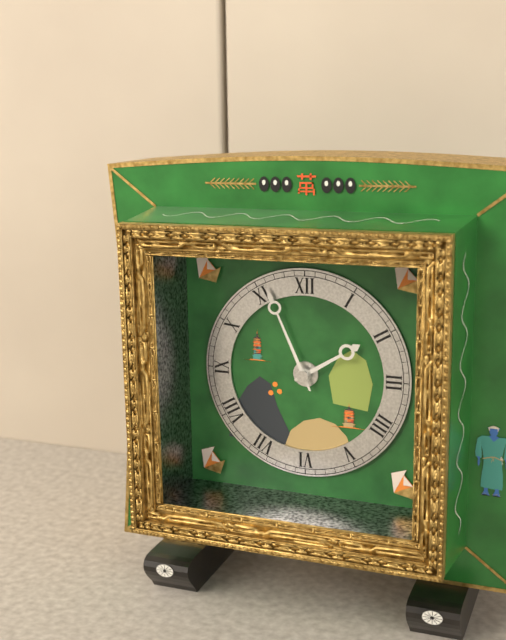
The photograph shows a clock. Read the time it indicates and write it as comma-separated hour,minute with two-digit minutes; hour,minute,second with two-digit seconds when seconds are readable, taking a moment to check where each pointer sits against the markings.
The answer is 1,56
